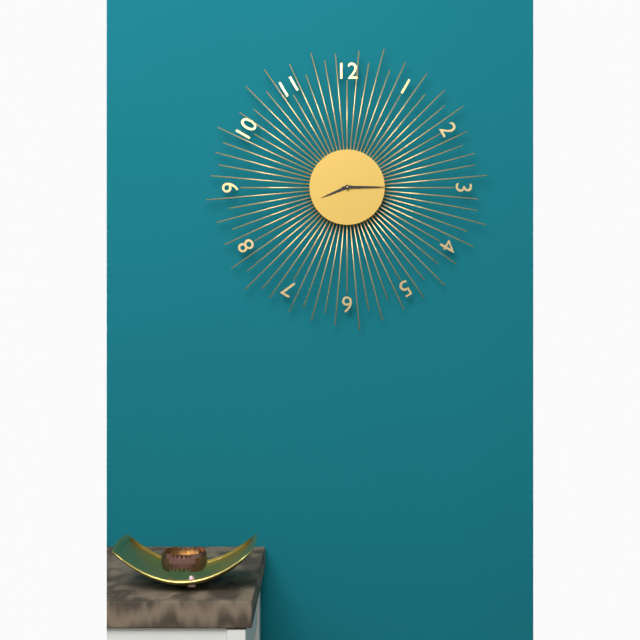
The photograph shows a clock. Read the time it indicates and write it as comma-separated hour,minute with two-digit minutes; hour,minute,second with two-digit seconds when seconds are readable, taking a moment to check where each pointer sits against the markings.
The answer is 8,15
